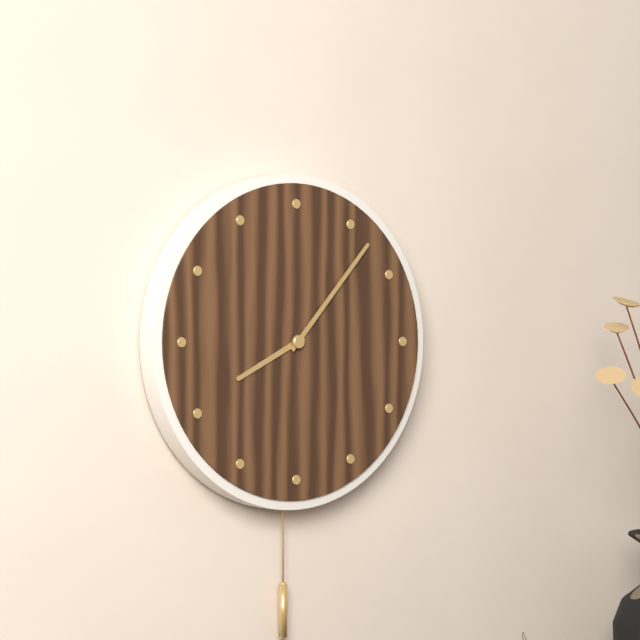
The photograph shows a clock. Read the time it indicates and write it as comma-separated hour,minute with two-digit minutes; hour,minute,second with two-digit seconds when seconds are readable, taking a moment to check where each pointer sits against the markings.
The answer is 8,07
